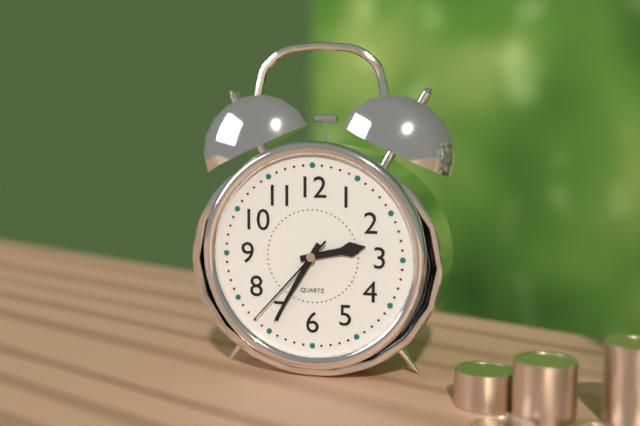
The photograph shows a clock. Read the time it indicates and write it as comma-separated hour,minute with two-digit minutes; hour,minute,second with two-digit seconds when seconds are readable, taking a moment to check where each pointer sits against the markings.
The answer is 2,35,37
